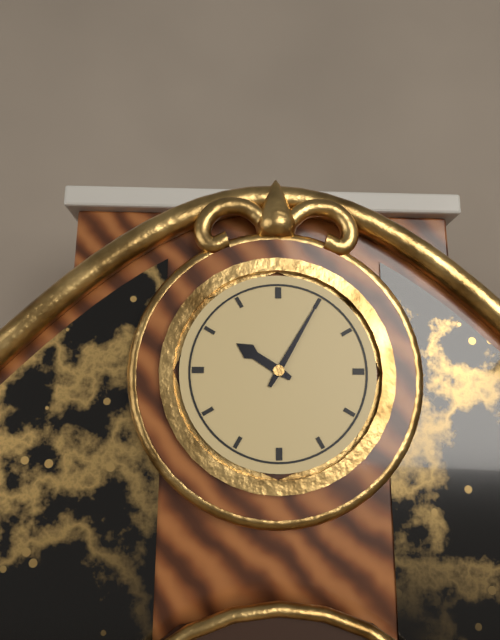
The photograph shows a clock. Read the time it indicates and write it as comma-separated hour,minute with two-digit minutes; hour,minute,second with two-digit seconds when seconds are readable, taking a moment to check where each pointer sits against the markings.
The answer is 10,05
